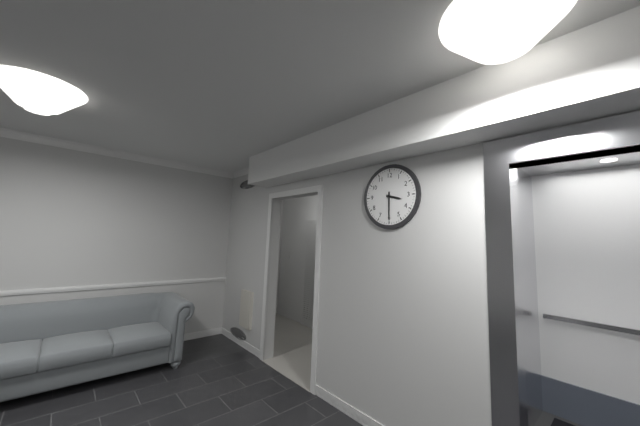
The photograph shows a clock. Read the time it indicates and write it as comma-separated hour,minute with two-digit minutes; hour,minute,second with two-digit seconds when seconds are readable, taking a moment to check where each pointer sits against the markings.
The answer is 3,30
